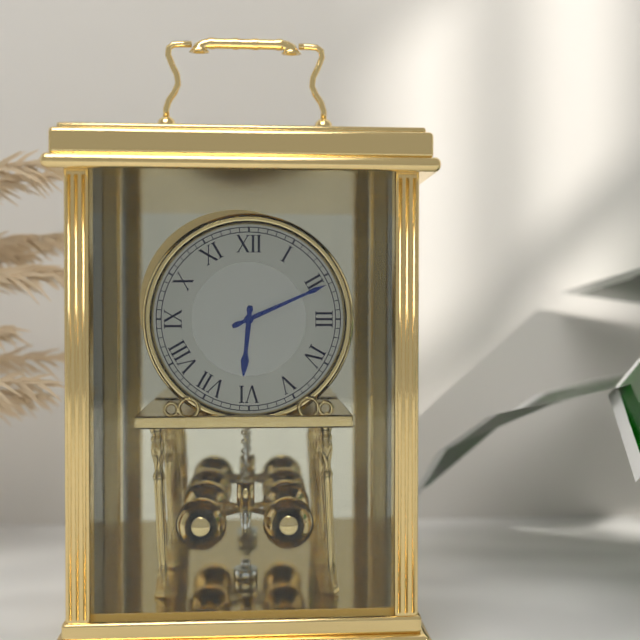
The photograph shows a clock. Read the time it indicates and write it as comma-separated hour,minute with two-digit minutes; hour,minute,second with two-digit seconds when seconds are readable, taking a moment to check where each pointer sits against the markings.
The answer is 6,11
